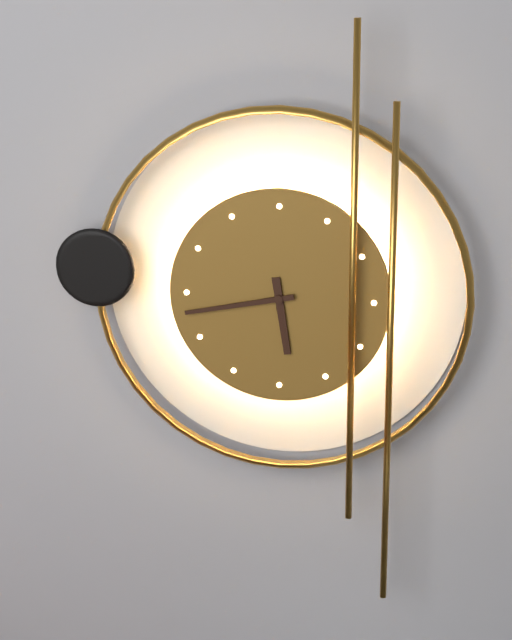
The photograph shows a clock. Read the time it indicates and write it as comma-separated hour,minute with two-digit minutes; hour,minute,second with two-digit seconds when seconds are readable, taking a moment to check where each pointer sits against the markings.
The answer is 5,43
